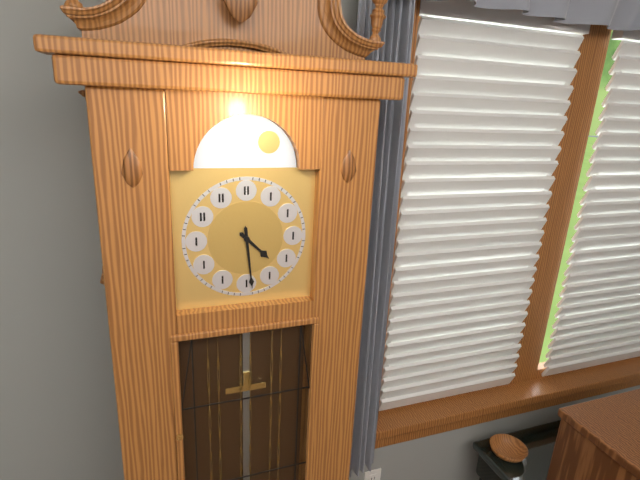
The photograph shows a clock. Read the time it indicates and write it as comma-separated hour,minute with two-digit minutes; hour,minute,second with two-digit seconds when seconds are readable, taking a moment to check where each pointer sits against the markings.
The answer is 4,29
